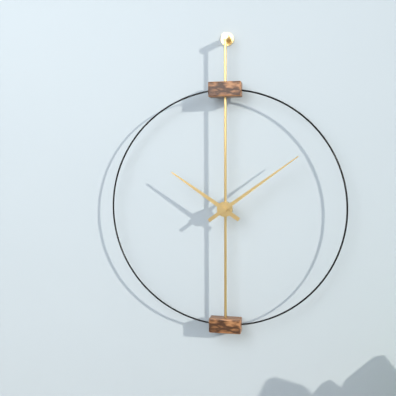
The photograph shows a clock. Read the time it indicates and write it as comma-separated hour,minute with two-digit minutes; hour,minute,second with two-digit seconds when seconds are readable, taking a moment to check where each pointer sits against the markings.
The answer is 10,09
